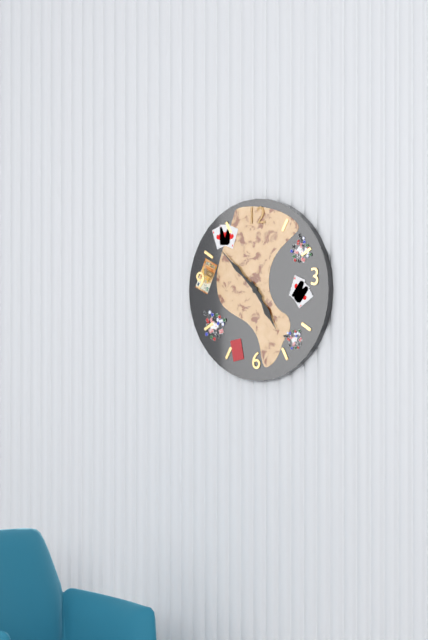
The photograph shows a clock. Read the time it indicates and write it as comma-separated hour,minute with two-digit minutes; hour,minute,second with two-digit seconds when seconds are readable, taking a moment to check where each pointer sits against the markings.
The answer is 4,52
